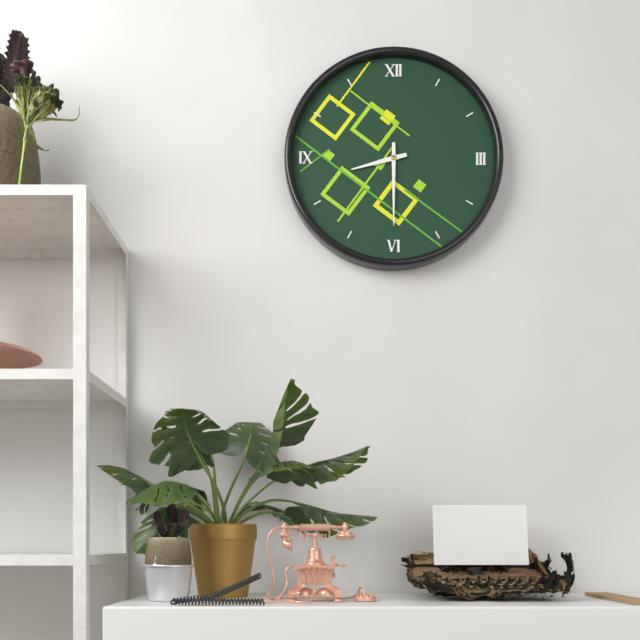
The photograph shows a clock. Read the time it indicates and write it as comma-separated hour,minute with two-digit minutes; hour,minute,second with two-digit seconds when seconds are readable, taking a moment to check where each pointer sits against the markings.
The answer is 8,30
